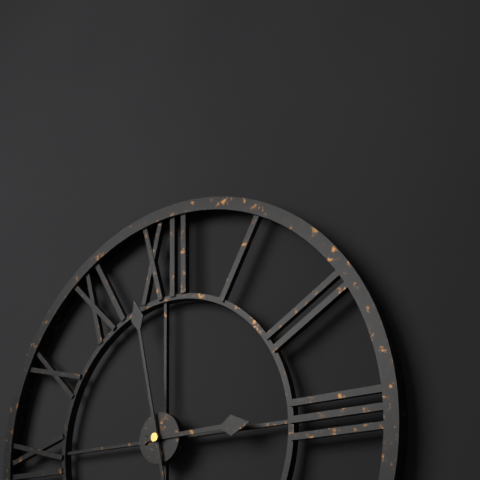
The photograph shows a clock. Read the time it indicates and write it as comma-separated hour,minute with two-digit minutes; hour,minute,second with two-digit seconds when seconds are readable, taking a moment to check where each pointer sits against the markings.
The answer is 2,58
